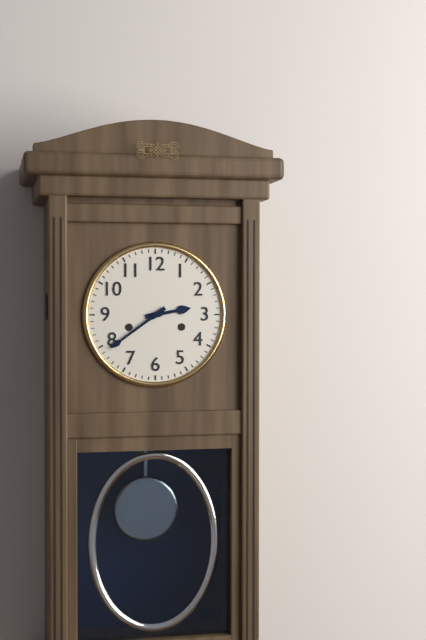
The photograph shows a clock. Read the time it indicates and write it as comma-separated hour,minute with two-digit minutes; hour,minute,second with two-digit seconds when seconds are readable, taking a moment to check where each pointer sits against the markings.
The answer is 2,39
